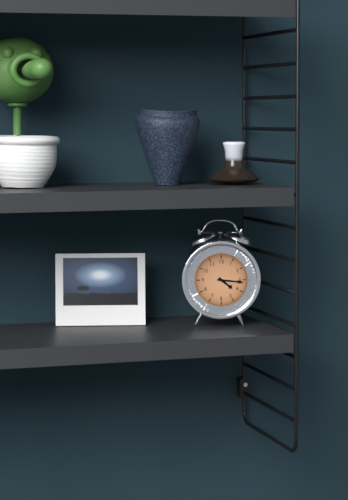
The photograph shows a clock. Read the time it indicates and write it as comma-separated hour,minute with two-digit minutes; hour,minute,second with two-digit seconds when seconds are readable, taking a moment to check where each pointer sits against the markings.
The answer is 4,16
